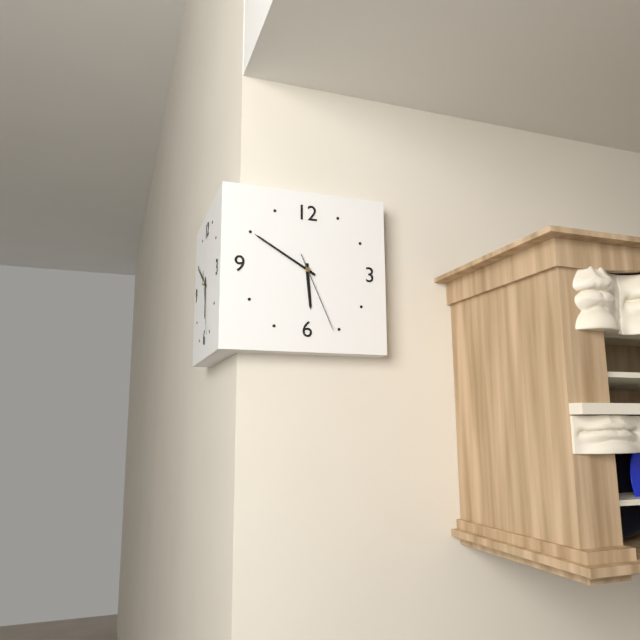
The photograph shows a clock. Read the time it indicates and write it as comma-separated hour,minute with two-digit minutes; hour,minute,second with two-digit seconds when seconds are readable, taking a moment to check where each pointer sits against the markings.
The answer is 5,50,26
